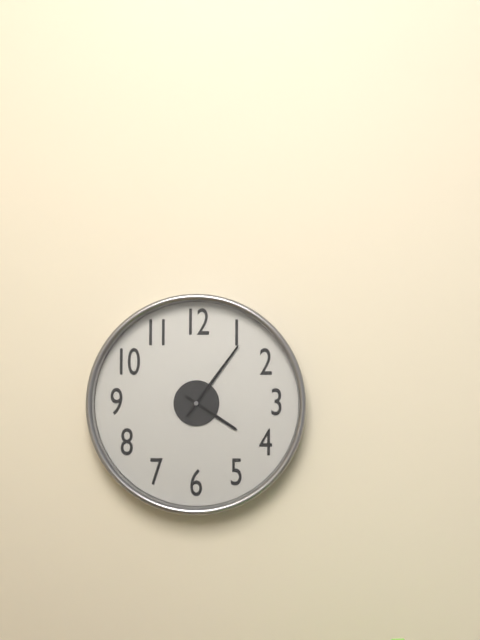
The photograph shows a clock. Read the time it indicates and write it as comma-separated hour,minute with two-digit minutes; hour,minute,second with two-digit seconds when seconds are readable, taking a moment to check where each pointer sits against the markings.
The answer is 4,06
